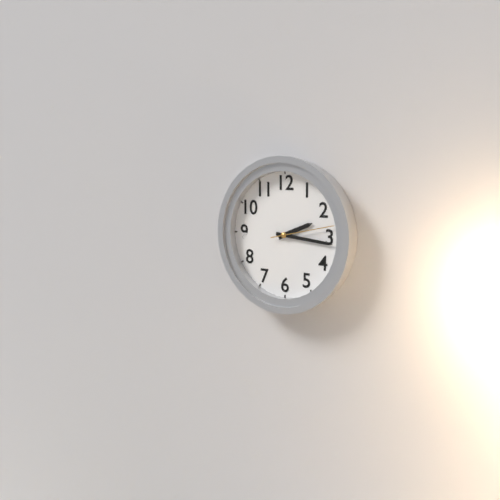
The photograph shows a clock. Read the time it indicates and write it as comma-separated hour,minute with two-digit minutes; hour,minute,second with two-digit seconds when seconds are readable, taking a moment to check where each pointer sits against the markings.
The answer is 2,16,13
